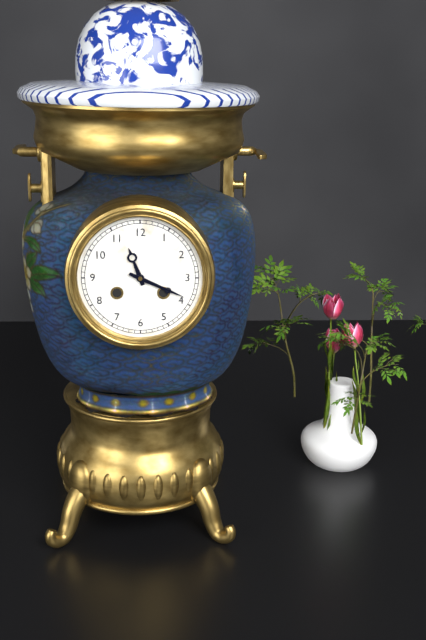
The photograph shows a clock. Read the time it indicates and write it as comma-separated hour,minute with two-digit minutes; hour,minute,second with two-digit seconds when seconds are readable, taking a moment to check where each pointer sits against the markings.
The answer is 11,19
